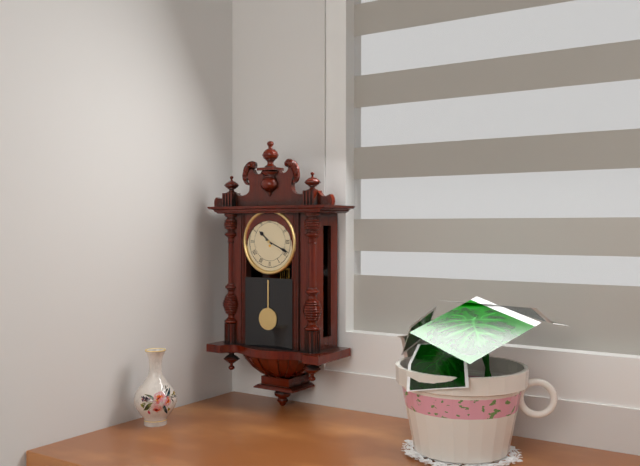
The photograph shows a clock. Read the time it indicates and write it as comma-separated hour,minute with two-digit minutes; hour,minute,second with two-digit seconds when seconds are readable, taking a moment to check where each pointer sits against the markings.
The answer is 10,19
